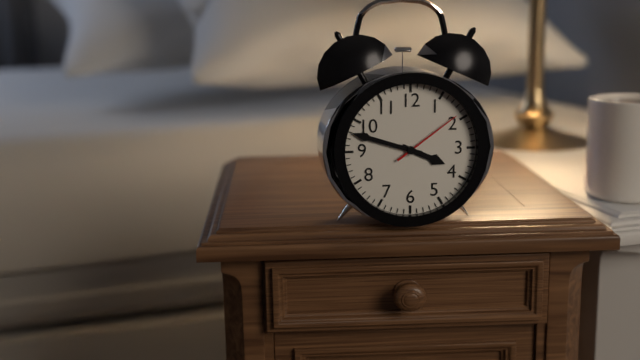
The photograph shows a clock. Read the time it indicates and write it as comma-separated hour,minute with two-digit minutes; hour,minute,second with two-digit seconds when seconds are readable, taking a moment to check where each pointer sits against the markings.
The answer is 3,48,09
